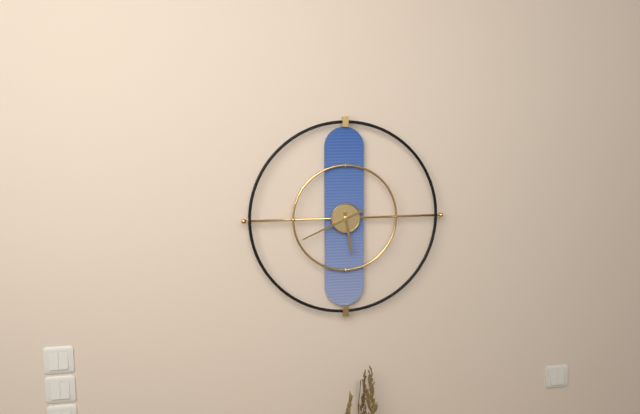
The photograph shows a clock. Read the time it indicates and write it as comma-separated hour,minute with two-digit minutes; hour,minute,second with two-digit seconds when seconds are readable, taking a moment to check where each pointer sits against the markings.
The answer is 5,41
